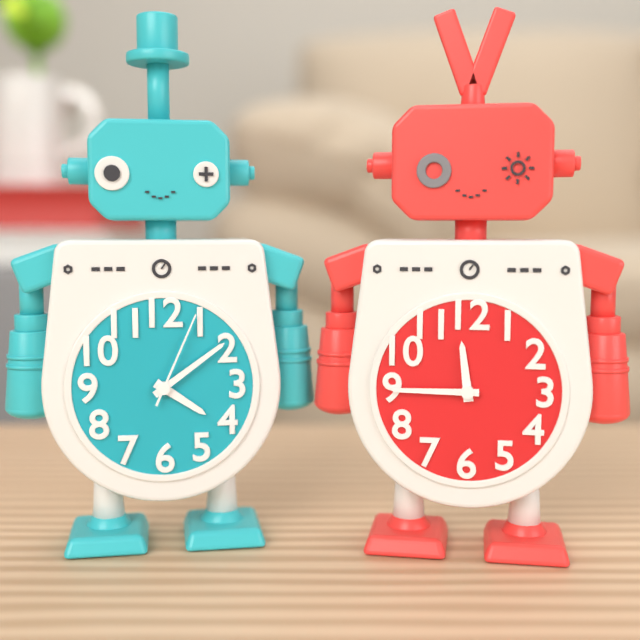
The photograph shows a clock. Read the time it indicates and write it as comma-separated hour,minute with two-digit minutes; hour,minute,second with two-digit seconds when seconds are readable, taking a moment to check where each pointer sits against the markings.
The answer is 4,09,04
